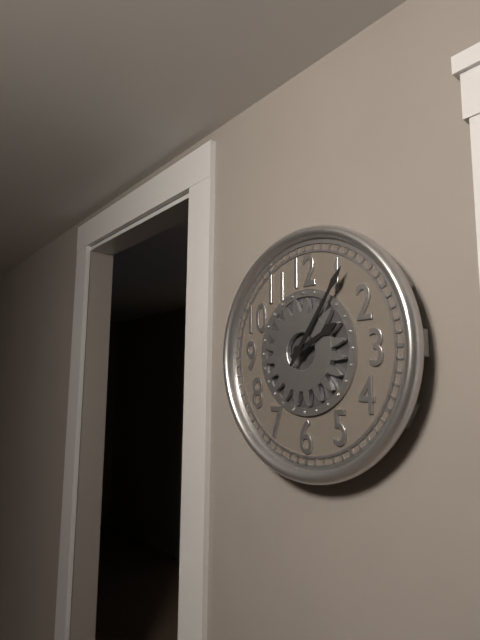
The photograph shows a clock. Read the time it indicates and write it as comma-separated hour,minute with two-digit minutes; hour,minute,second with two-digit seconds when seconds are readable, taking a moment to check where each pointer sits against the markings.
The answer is 2,06
